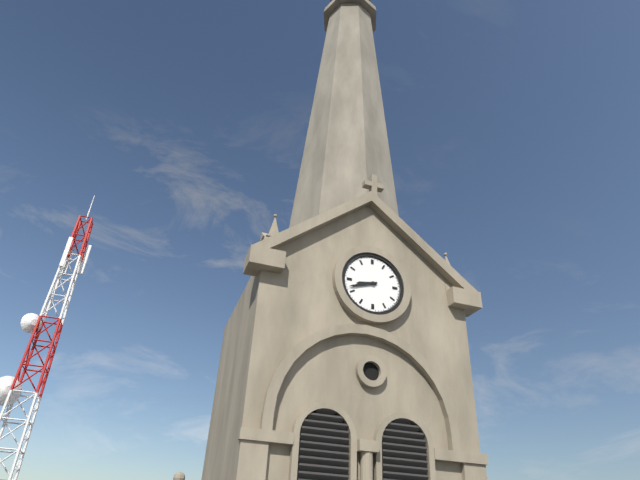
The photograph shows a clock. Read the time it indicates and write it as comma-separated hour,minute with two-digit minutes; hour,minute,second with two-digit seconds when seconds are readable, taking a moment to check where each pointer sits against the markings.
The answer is 8,42
